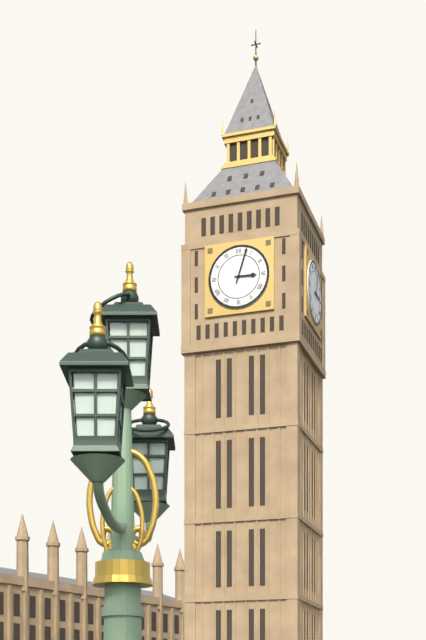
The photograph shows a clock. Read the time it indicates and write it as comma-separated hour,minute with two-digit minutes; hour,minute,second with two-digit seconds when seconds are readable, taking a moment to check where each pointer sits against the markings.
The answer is 3,03
